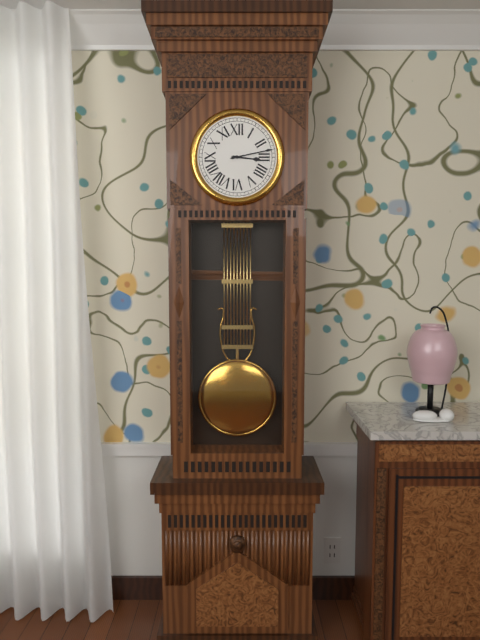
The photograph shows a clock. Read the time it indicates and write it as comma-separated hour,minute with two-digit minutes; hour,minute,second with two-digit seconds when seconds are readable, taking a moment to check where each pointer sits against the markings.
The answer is 3,13
